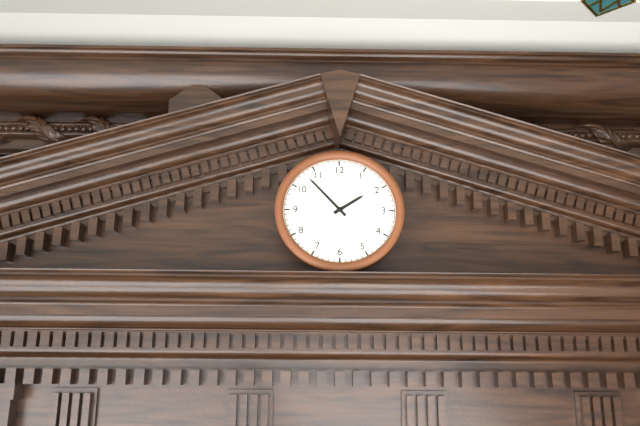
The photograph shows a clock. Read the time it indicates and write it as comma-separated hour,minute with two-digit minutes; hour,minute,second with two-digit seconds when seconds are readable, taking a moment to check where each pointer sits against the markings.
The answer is 1,53
